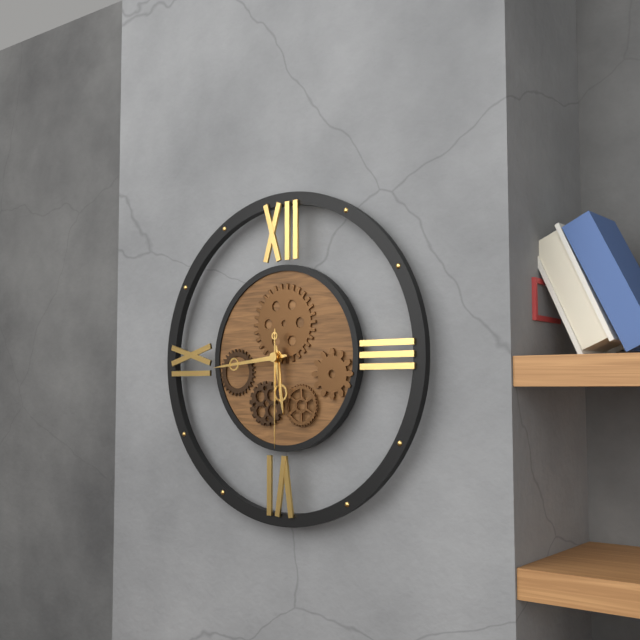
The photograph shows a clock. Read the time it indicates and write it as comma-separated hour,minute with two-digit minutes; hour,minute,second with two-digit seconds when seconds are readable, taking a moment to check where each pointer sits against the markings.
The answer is 5,44,30
